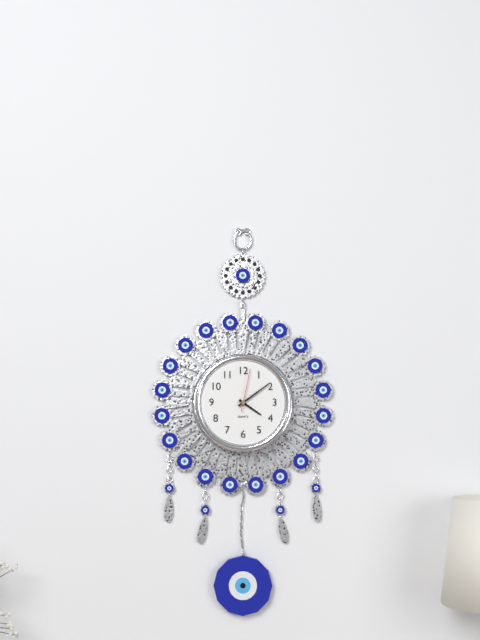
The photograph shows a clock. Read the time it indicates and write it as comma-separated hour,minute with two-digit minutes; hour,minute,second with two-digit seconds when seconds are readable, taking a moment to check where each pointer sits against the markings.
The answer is 4,09
